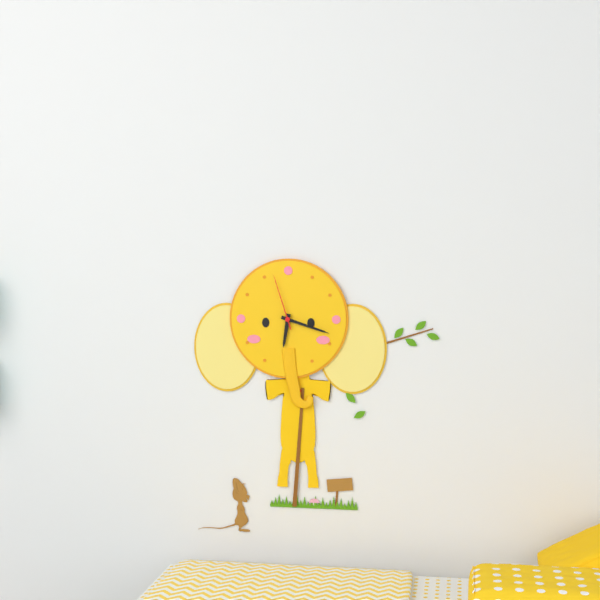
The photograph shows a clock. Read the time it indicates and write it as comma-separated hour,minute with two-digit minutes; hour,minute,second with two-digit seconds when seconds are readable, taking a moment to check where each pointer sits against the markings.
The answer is 6,18,57
